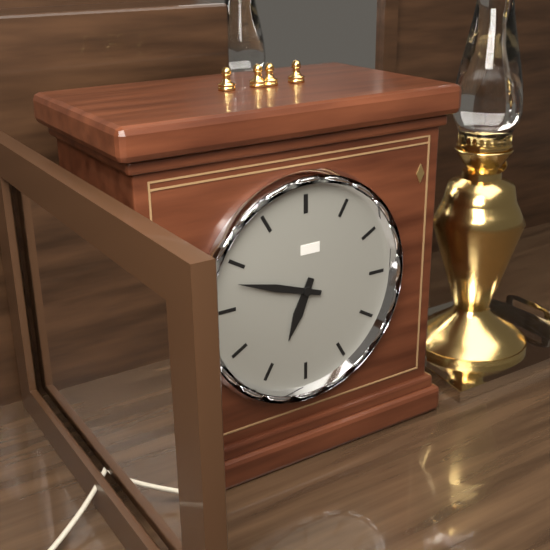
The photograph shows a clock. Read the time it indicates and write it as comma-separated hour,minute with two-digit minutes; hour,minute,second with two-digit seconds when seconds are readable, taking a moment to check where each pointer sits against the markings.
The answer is 6,48
